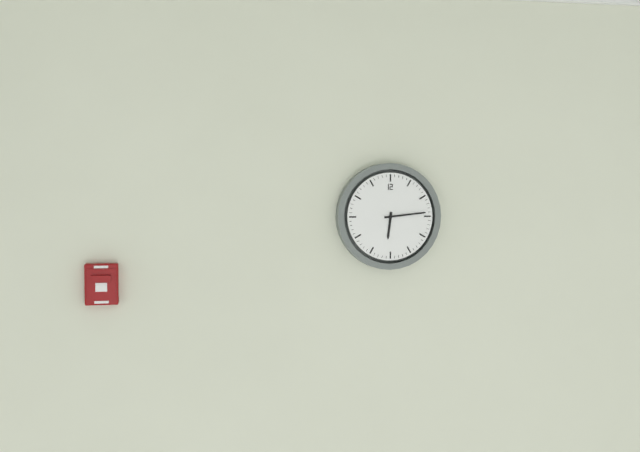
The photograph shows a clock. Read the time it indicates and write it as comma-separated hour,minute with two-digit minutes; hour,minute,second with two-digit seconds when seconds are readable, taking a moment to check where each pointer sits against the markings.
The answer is 6,14
